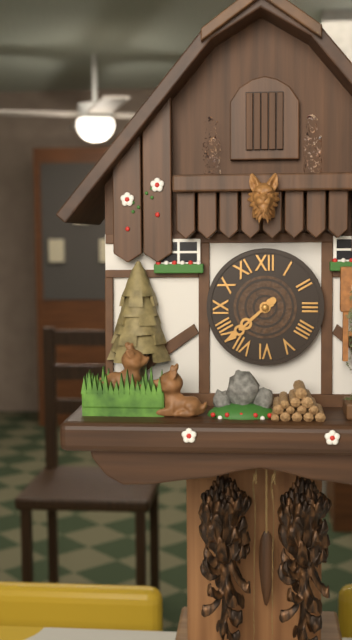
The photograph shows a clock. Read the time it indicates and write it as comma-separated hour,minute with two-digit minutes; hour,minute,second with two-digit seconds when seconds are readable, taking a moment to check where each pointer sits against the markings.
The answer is 7,38
